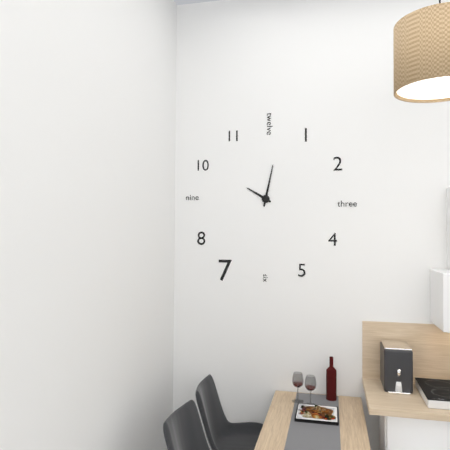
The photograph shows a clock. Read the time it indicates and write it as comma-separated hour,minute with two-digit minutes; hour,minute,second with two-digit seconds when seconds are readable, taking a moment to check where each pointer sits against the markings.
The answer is 10,02
